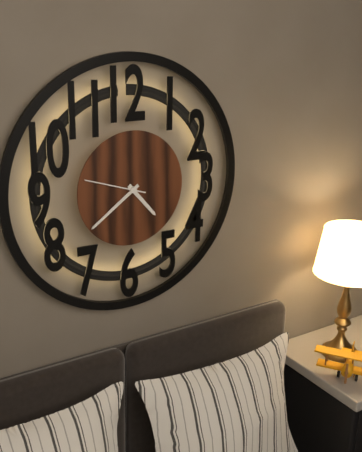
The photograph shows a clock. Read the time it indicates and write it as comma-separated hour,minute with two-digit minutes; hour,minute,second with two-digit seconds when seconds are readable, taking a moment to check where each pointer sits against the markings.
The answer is 4,39,48
